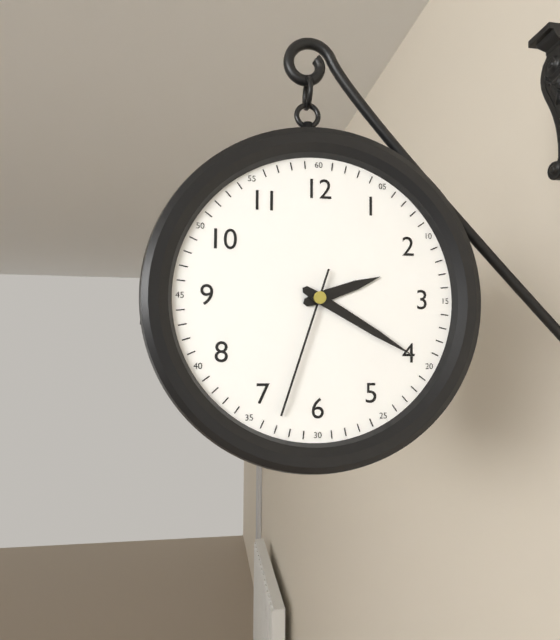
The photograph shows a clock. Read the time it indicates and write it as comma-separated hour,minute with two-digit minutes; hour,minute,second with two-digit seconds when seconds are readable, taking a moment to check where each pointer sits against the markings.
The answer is 2,20,33
